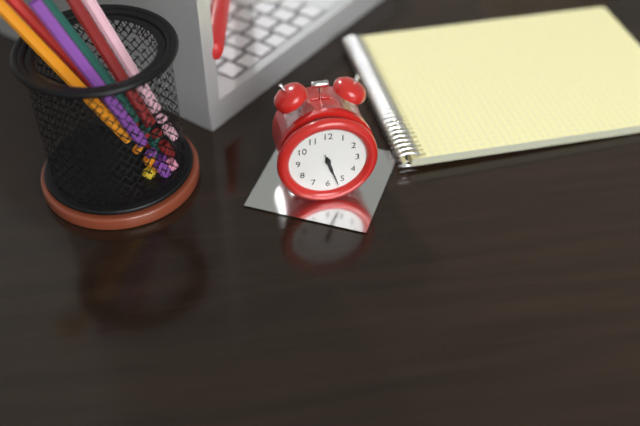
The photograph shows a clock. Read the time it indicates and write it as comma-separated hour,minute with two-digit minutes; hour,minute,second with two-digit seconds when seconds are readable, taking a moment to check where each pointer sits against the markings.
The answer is 5,27
